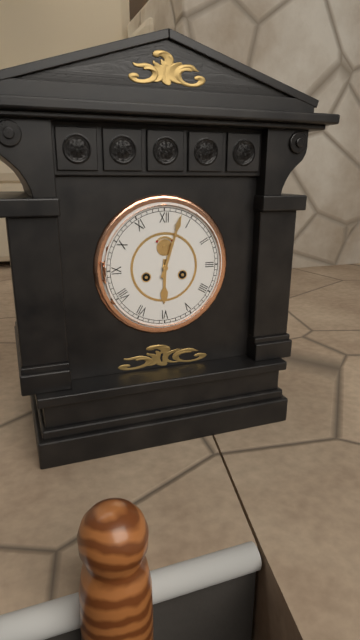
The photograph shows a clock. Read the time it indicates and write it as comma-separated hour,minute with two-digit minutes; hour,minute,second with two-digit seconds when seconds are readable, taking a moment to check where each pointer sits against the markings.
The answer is 6,03
